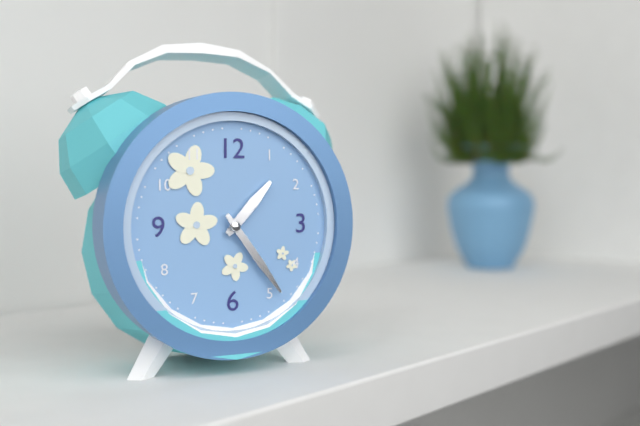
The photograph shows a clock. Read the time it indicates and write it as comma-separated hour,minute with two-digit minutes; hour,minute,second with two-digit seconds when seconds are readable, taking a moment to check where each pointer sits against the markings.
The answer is 1,24
